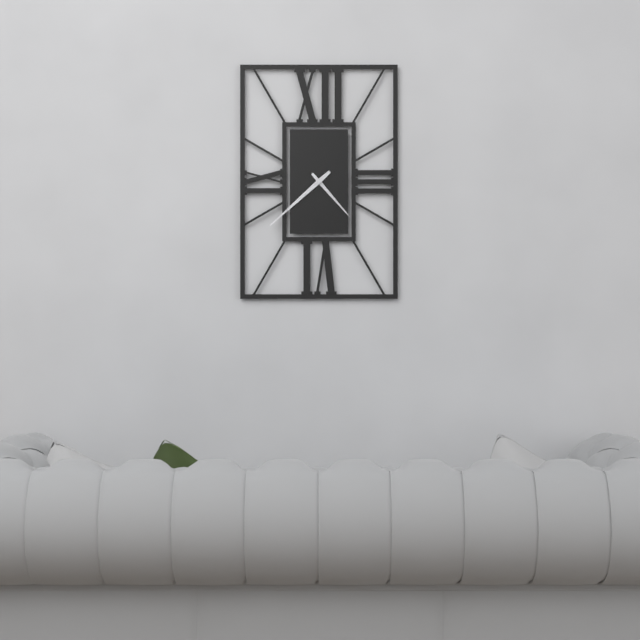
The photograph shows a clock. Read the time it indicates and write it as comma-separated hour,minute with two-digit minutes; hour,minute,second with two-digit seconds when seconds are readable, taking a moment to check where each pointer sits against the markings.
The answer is 4,38
